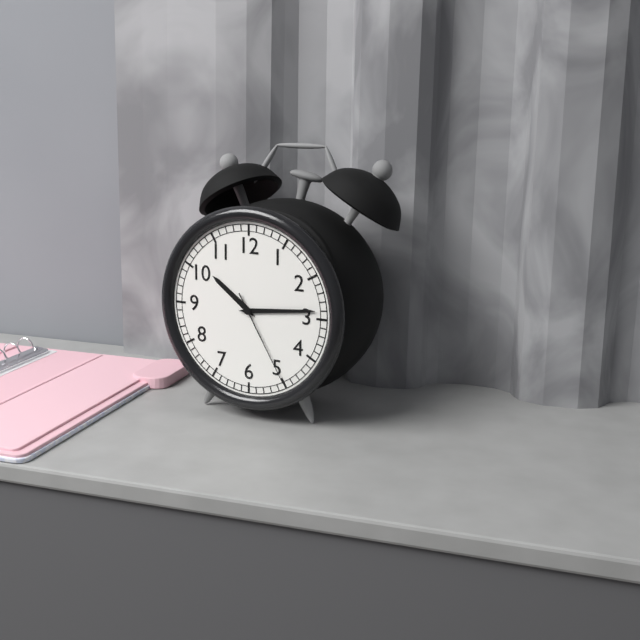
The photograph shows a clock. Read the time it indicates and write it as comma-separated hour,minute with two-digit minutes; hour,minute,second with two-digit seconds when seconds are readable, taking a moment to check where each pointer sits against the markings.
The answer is 10,14,25
